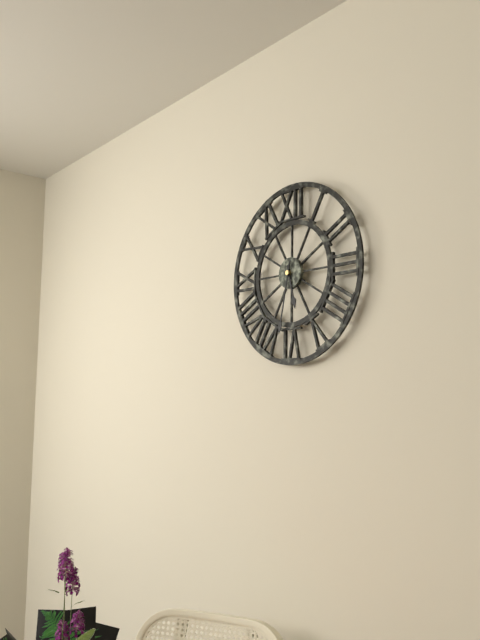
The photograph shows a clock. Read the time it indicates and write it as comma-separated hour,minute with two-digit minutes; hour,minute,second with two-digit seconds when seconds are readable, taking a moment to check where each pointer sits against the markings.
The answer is 5,32
